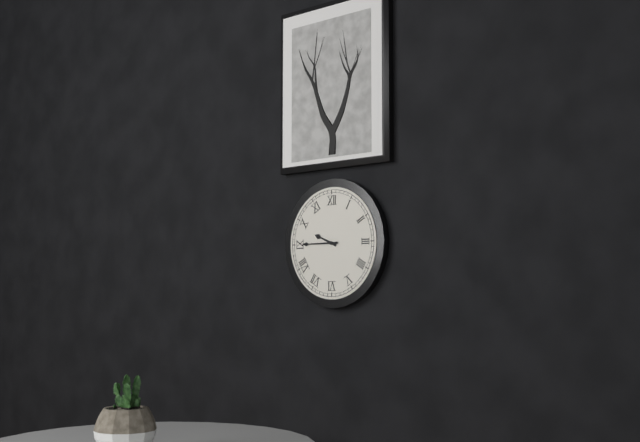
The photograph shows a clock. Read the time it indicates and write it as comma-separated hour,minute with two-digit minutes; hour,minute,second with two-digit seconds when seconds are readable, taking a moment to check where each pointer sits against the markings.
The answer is 9,45
